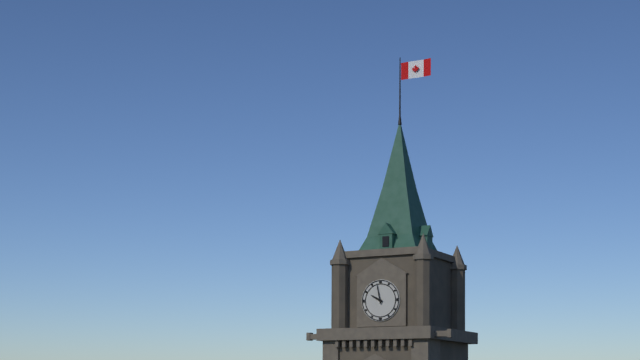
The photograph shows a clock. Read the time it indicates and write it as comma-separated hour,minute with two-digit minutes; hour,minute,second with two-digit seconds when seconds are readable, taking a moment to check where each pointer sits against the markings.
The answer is 9,58
